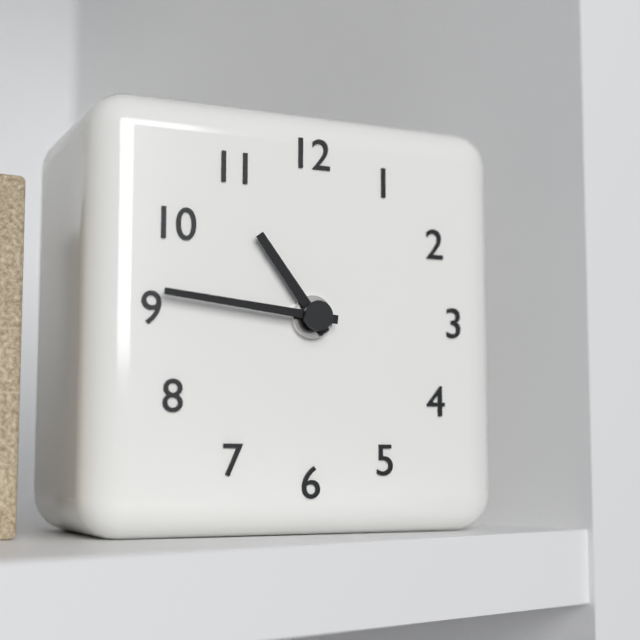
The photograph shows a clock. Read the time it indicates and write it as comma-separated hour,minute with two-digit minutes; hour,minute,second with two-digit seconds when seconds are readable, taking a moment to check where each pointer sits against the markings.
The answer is 10,46
